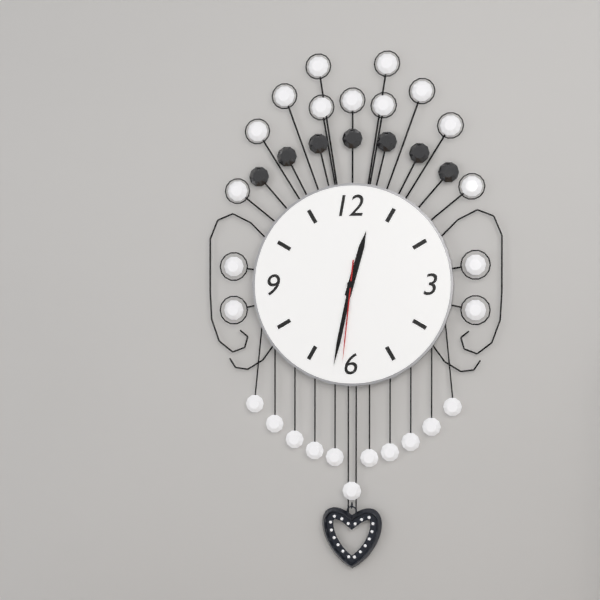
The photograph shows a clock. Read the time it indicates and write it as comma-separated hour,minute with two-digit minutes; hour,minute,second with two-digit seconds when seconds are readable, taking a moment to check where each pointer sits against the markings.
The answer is 12,32,31
